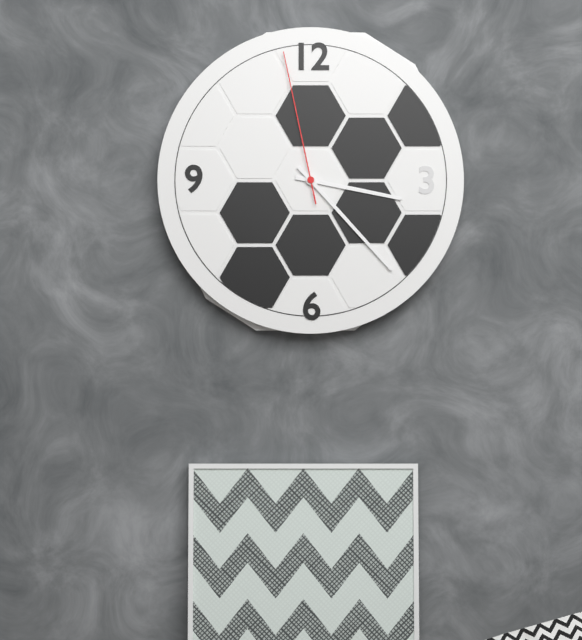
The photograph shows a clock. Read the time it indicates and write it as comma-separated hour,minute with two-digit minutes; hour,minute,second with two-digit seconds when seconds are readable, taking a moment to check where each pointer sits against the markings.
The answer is 3,23,58
